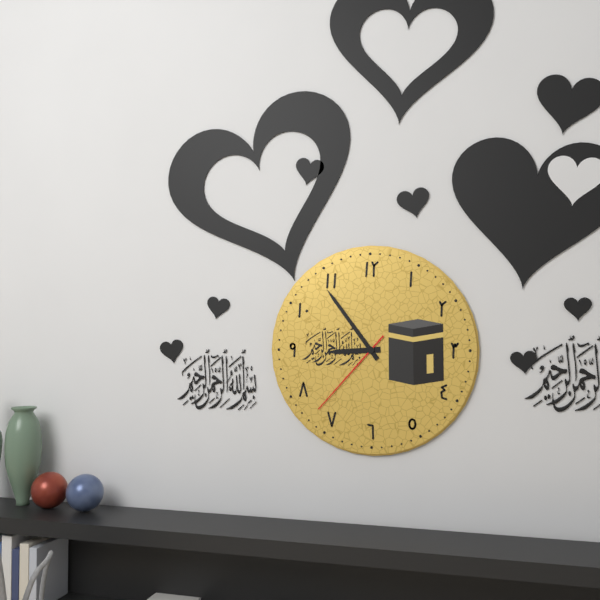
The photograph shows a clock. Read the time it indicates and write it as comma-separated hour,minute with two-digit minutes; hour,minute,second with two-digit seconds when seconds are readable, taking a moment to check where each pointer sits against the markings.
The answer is 8,54,37
